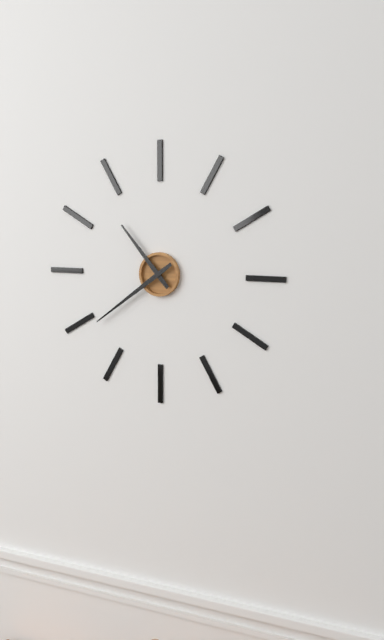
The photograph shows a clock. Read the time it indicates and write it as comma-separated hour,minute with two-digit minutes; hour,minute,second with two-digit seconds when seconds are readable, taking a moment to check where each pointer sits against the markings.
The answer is 10,39
